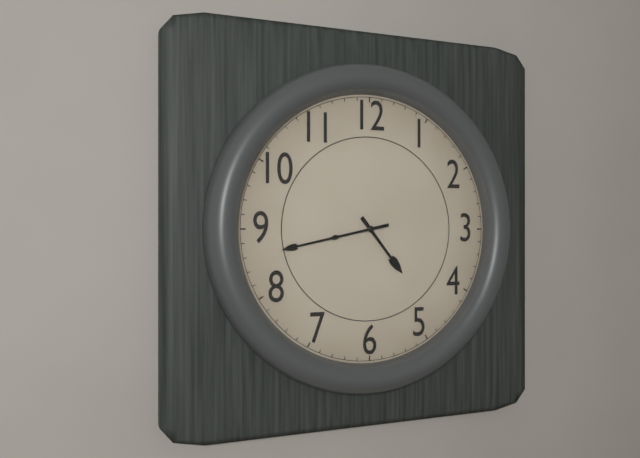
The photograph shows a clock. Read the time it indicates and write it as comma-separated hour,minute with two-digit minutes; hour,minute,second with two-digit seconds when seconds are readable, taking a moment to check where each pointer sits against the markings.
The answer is 4,43
